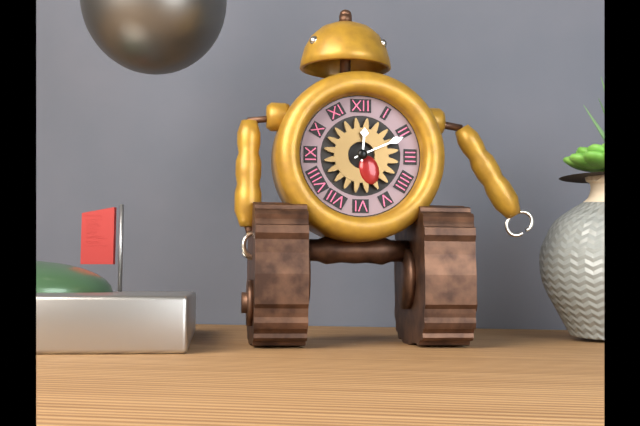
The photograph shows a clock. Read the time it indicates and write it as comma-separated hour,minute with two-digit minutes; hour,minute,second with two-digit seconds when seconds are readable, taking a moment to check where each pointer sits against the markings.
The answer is 12,11
